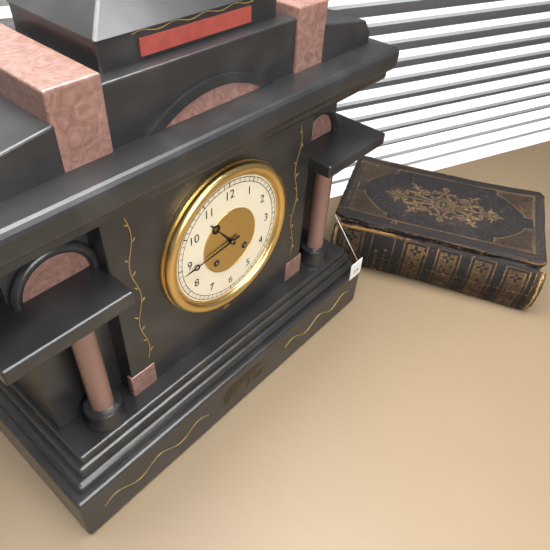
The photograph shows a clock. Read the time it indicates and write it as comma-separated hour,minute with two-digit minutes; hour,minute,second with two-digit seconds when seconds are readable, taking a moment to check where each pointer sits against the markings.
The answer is 10,44
